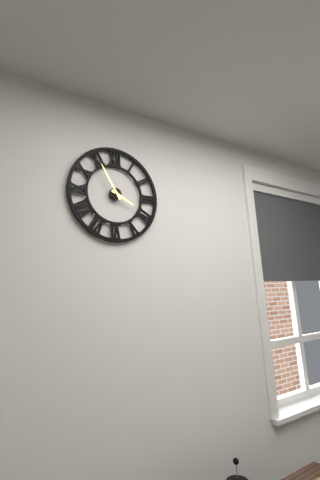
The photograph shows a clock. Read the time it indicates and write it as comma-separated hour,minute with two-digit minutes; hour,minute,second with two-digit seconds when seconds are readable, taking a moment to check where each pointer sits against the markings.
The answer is 3,55
